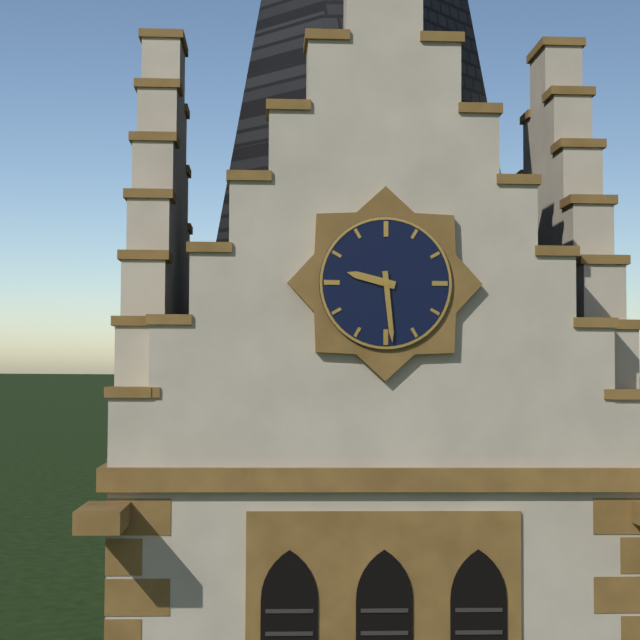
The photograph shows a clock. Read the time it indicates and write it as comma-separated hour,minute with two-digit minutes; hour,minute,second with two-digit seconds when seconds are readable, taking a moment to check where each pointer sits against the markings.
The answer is 9,29
